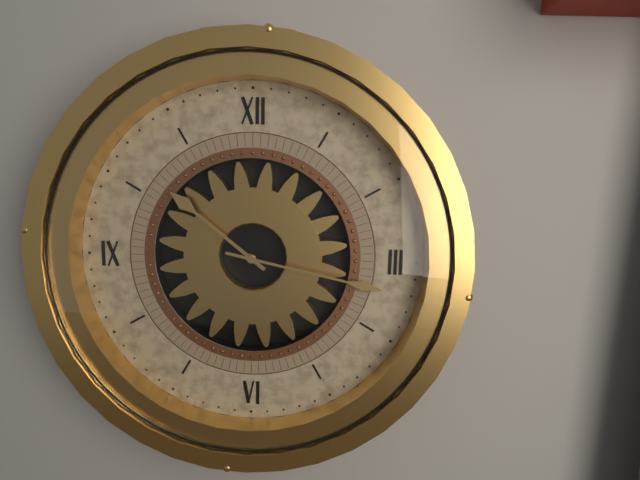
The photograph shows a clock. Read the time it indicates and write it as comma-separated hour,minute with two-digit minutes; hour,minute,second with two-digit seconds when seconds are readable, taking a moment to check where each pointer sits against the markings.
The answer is 10,17
